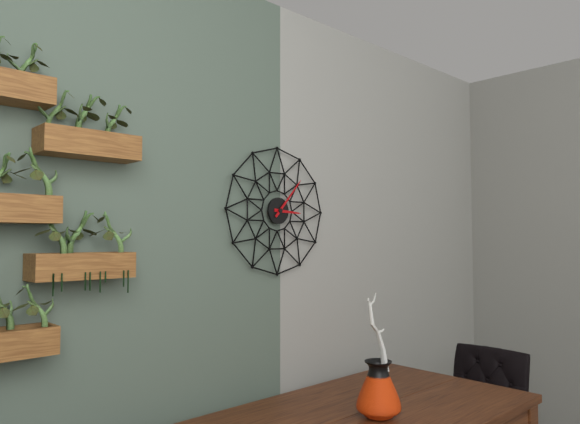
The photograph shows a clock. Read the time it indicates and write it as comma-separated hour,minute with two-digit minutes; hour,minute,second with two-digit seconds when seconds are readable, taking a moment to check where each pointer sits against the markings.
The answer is 3,07
